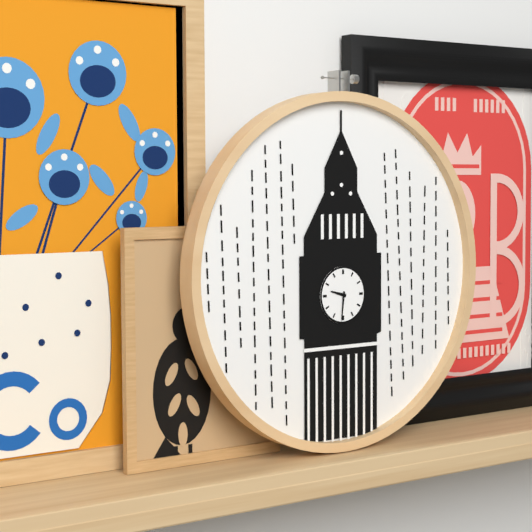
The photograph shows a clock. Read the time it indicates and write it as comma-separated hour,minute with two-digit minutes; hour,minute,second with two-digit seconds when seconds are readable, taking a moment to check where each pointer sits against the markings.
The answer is 9,31
